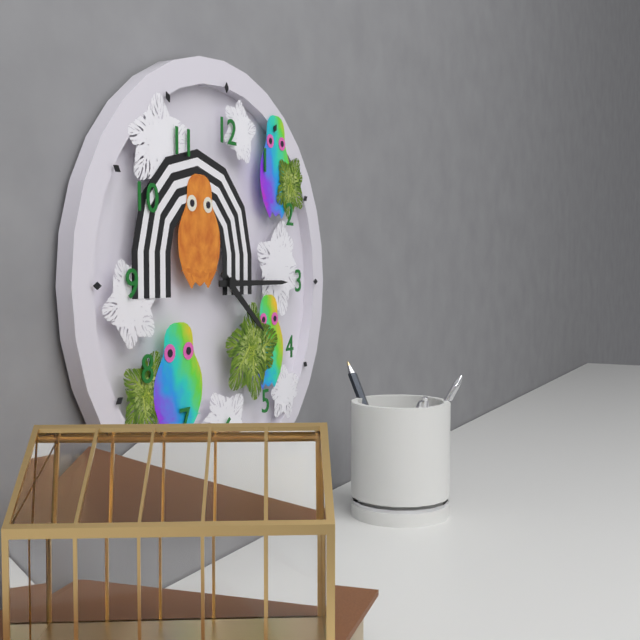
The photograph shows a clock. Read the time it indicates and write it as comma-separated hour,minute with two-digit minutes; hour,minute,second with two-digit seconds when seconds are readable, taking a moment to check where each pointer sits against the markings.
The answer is 4,15
